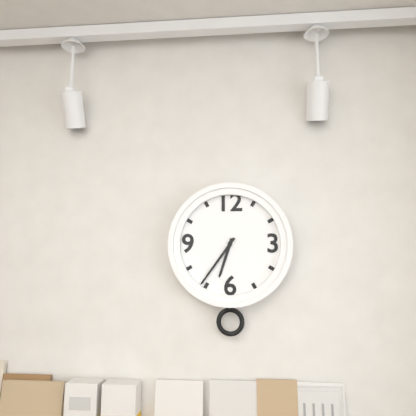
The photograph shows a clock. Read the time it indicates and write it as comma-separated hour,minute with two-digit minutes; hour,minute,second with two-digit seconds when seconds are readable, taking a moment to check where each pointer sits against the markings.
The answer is 6,36
